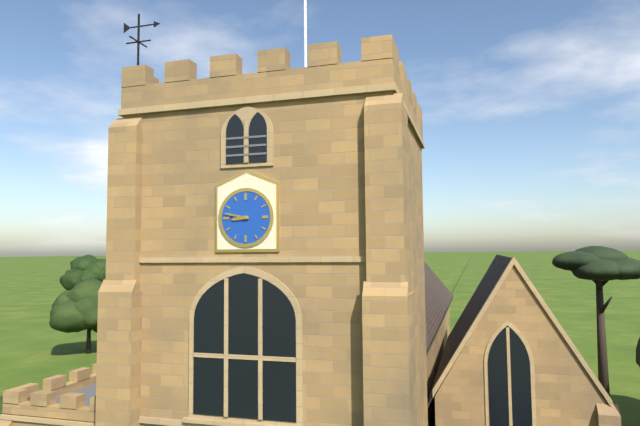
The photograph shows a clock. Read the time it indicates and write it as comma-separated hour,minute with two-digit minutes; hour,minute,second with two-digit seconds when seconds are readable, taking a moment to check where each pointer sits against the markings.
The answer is 8,47
